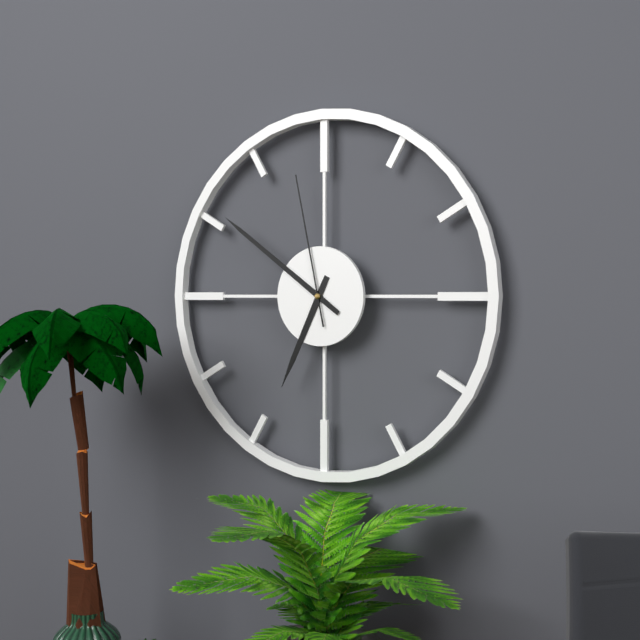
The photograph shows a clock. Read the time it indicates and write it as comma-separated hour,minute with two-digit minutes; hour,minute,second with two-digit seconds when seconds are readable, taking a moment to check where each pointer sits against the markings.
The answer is 6,51,58
